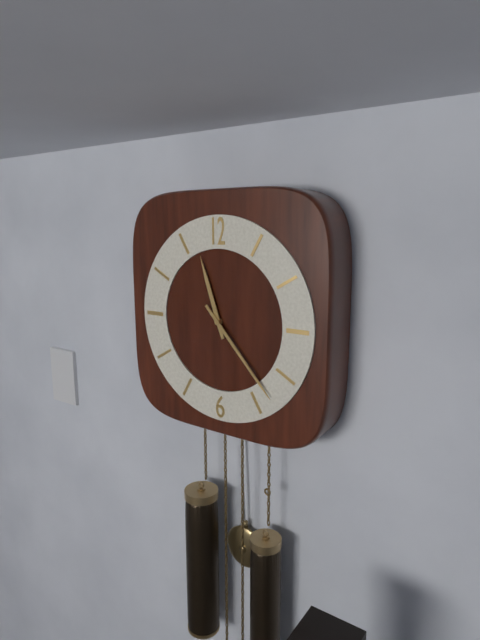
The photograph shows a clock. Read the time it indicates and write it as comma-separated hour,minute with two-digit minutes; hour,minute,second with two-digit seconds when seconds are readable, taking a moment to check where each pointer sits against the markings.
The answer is 11,23
